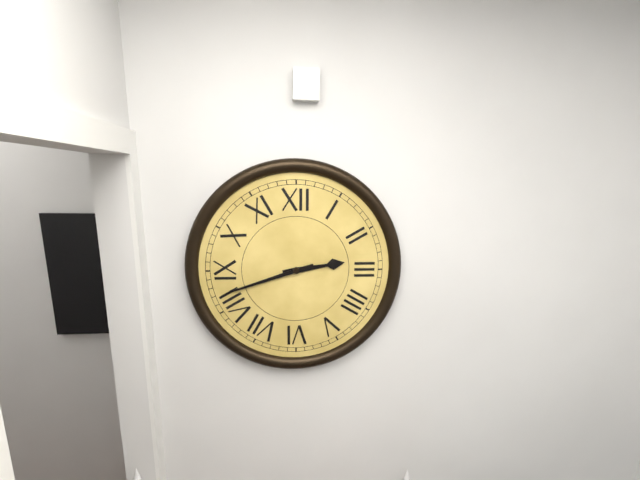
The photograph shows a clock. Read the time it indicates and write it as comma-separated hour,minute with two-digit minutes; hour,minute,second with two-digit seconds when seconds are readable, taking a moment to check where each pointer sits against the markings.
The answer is 2,42
